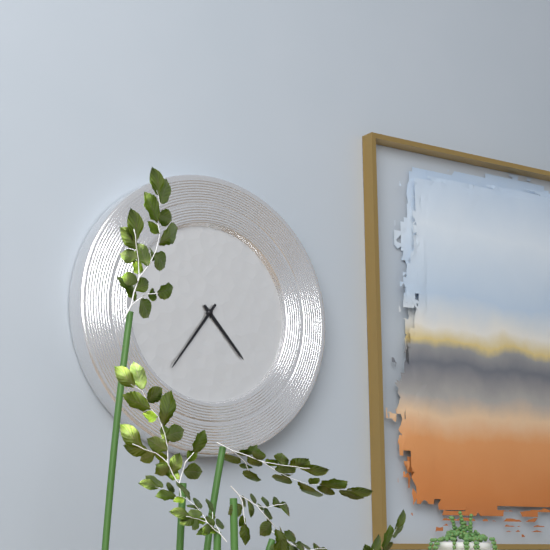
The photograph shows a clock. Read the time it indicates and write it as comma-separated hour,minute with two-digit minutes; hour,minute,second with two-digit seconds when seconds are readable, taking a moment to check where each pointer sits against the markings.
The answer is 4,36
